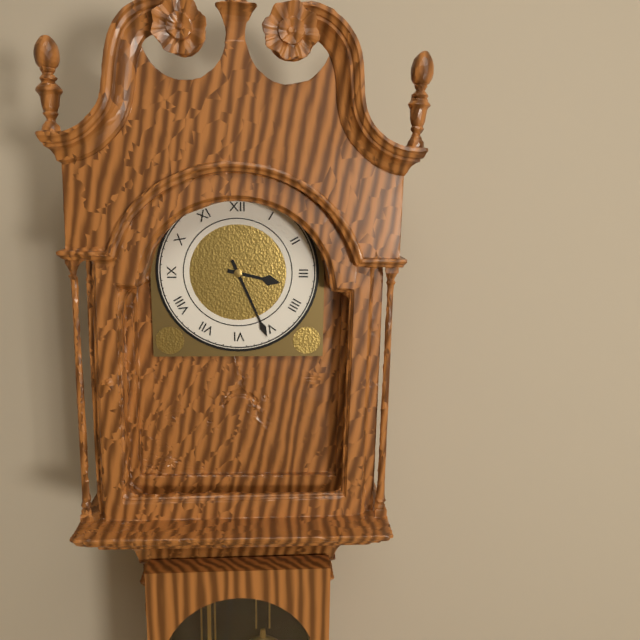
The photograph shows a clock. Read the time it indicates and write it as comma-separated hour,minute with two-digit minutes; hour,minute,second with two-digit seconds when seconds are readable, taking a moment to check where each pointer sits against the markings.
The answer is 3,26
